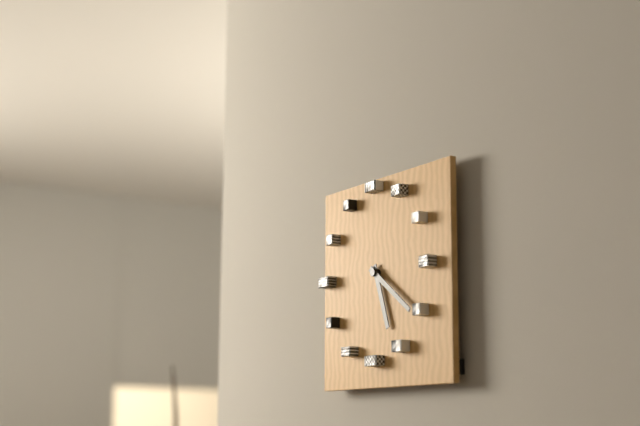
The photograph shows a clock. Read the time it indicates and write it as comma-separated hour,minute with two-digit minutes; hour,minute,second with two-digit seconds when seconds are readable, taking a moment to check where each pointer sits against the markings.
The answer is 5,21
